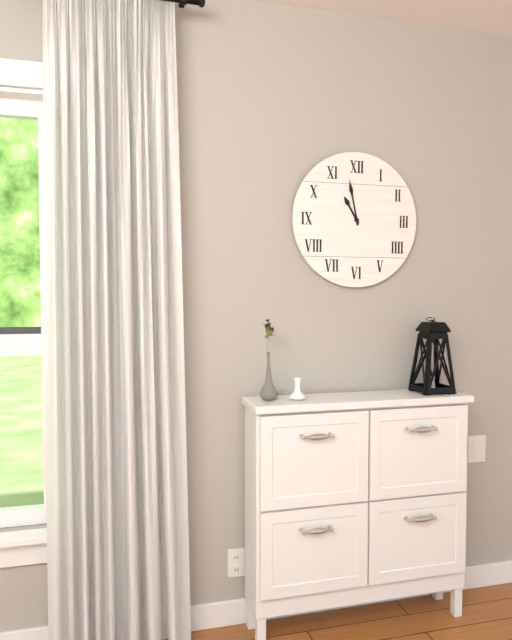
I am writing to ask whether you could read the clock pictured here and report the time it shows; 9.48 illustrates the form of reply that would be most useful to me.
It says 10.58
